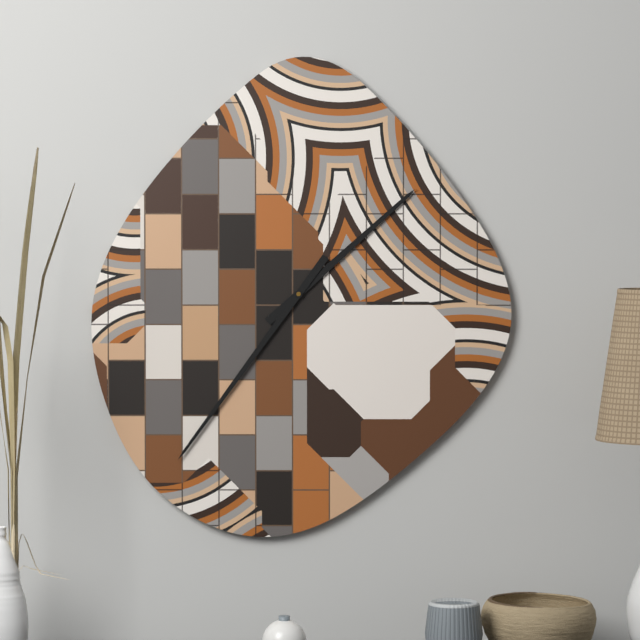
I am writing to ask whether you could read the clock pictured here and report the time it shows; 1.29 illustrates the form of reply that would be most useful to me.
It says 1.36
